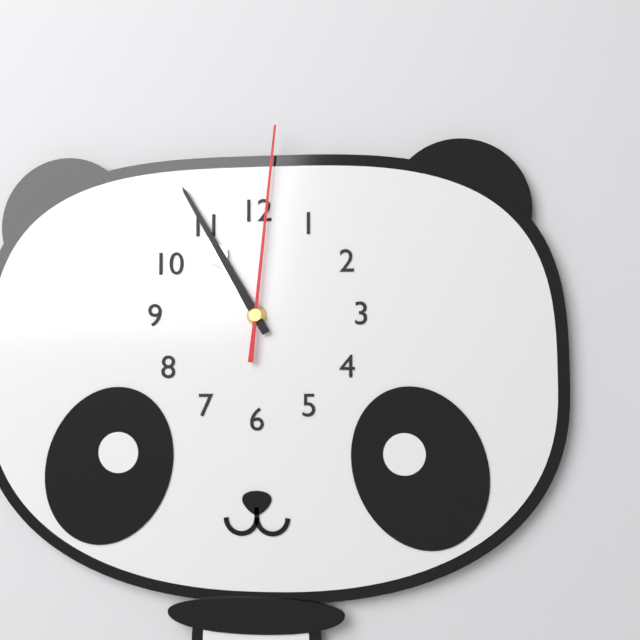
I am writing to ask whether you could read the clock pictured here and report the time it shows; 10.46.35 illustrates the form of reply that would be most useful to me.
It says 10.55.01
